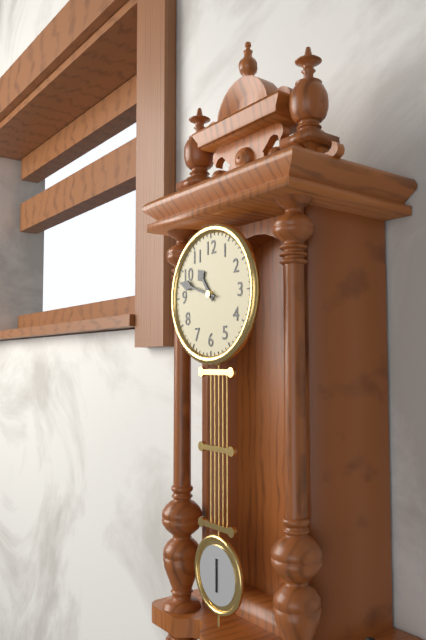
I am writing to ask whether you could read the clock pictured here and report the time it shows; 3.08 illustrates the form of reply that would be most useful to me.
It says 10.48
